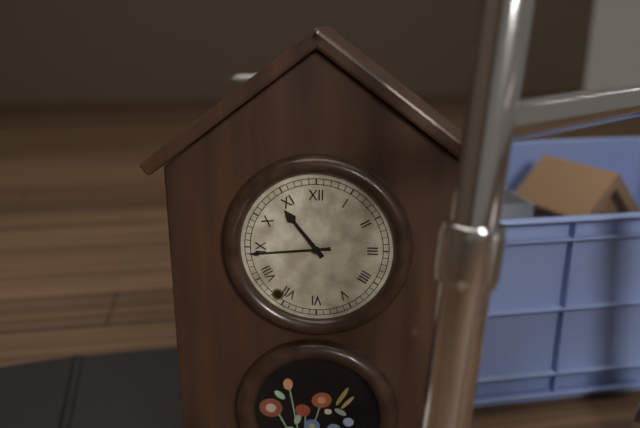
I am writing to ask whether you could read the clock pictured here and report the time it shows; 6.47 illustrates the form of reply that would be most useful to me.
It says 10.44
